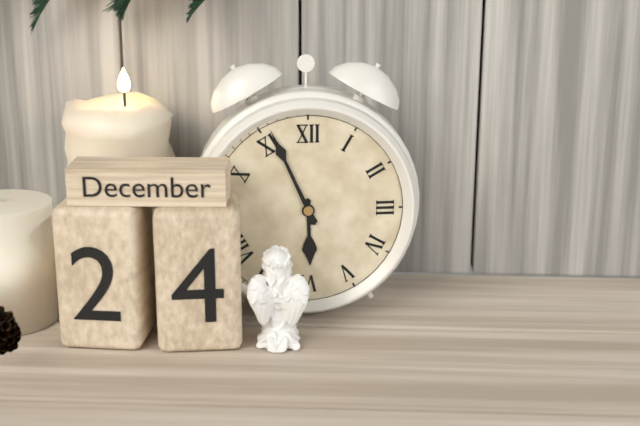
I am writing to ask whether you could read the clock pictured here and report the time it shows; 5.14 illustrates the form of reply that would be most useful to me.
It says 5.56
